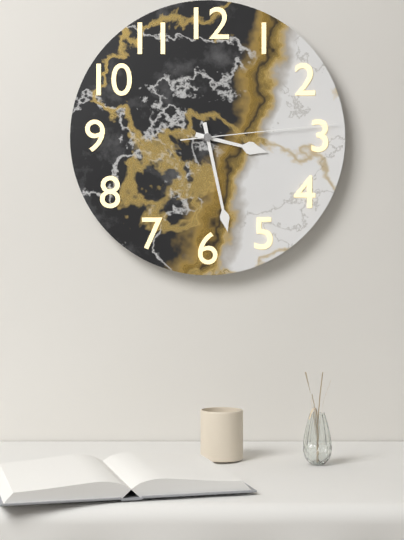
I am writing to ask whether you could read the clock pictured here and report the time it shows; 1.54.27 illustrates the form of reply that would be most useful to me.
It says 3.28.14
